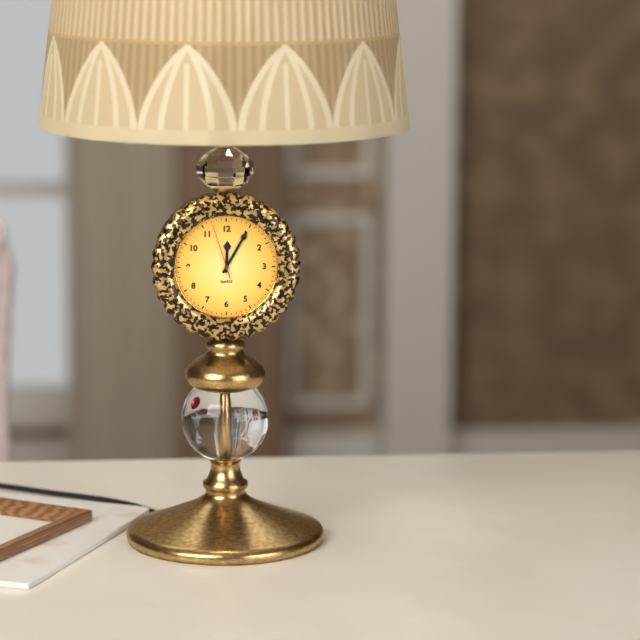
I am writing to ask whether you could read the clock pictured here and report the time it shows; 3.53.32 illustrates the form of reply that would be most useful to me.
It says 12.05.57
